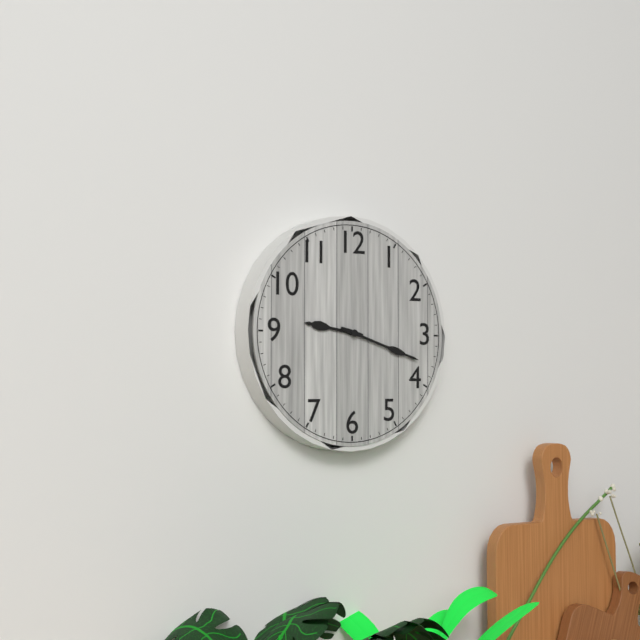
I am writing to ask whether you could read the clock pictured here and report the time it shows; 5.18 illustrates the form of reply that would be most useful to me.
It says 9.18
